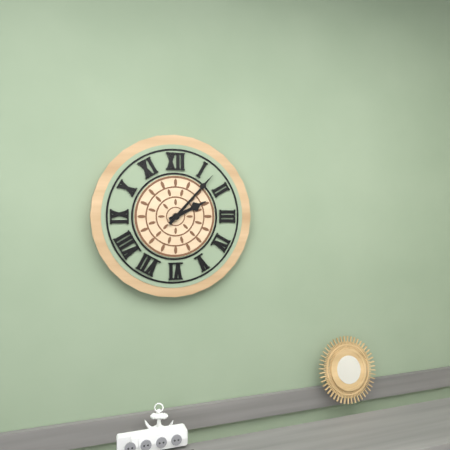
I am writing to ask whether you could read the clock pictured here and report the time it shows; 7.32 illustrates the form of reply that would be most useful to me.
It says 2.07
